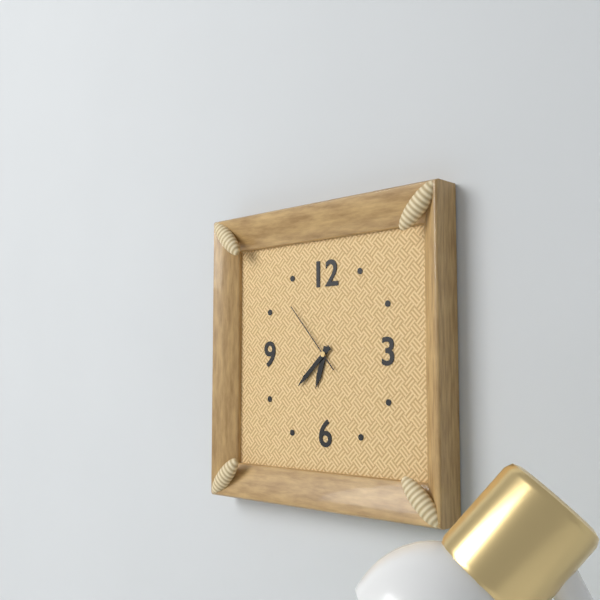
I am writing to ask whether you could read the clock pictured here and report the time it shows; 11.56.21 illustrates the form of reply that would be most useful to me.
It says 6.38.53
